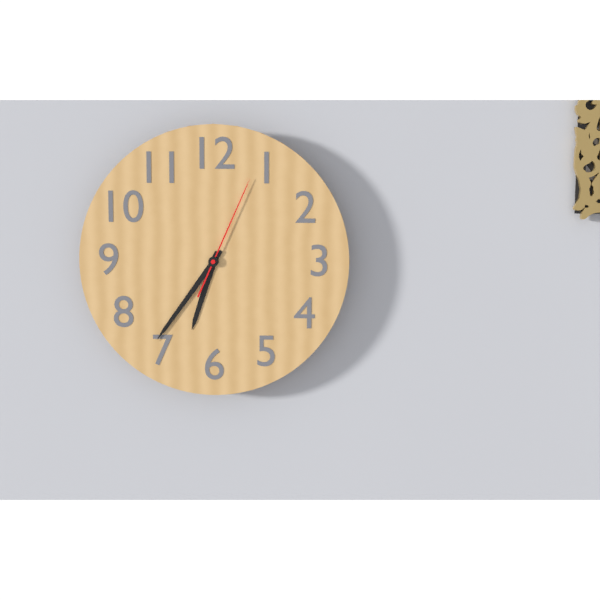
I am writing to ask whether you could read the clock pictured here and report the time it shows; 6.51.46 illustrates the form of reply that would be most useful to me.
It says 6.36.04
